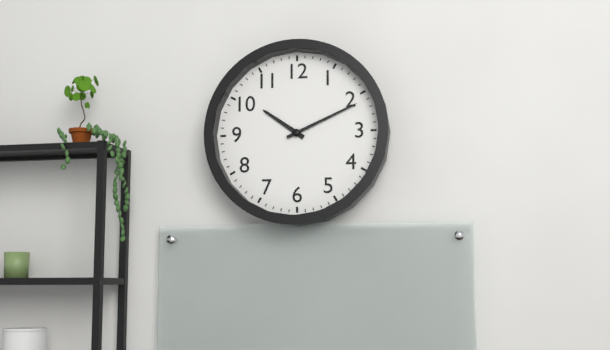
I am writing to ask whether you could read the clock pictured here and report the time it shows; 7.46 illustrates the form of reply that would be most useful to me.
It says 10.11
